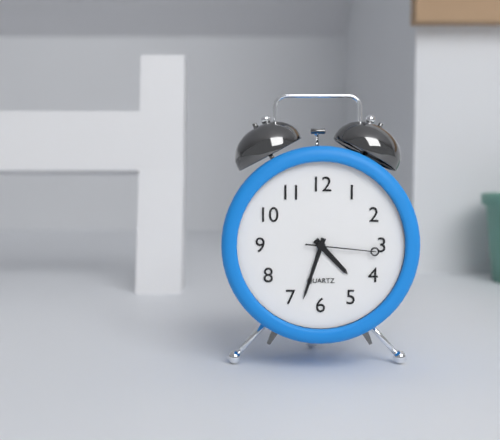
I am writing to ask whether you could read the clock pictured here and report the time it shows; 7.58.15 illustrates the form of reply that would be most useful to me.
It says 4.33.16
